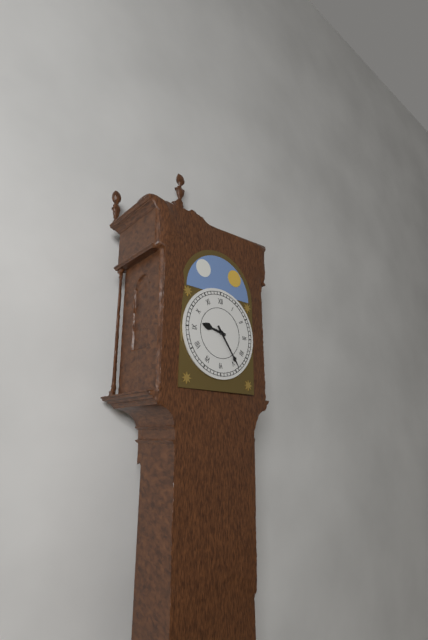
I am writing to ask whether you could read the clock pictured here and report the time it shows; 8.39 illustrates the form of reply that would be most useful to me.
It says 9.24
